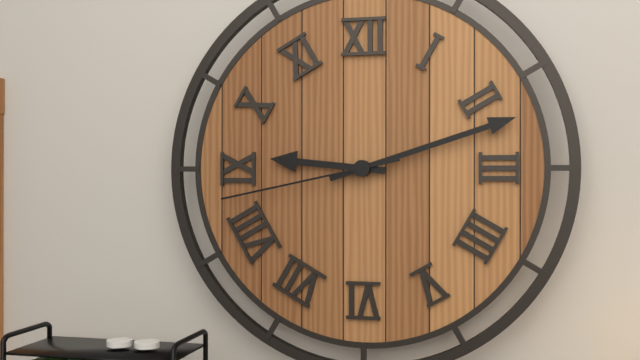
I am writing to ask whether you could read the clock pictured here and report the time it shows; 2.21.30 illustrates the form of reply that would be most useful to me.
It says 9.12.43
